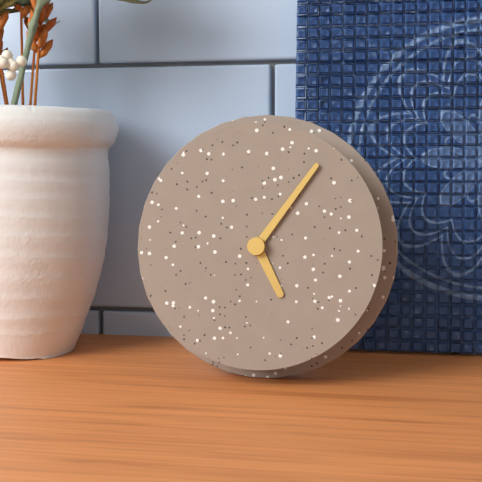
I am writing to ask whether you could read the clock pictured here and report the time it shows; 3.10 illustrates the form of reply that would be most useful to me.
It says 5.06
